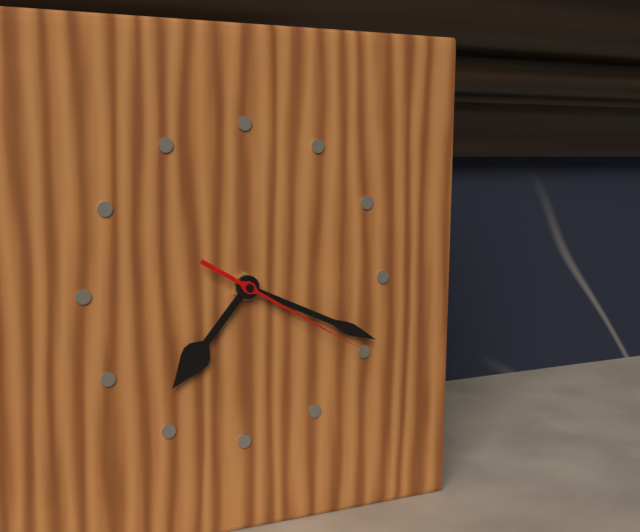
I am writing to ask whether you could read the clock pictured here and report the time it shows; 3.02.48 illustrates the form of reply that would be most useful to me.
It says 7.19.20
